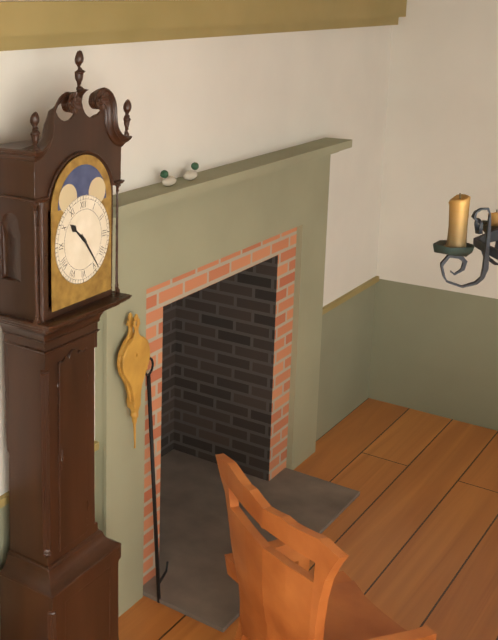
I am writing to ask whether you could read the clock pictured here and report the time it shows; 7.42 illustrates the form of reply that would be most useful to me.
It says 10.24
